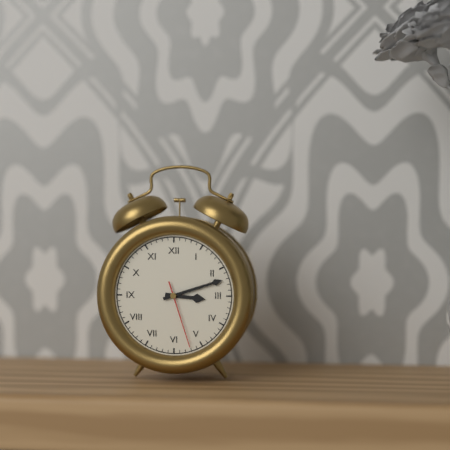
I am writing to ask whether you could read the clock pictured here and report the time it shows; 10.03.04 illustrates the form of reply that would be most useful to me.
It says 3.12.27
